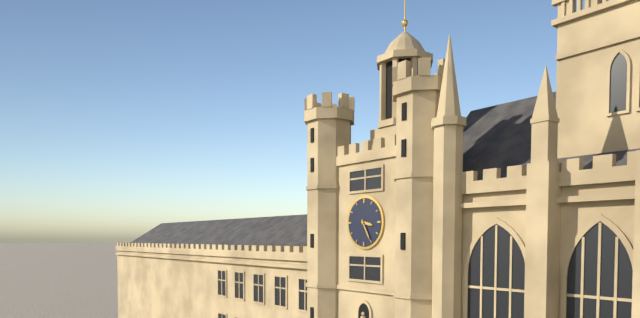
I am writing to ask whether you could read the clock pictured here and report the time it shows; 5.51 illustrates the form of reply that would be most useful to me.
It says 3.25
